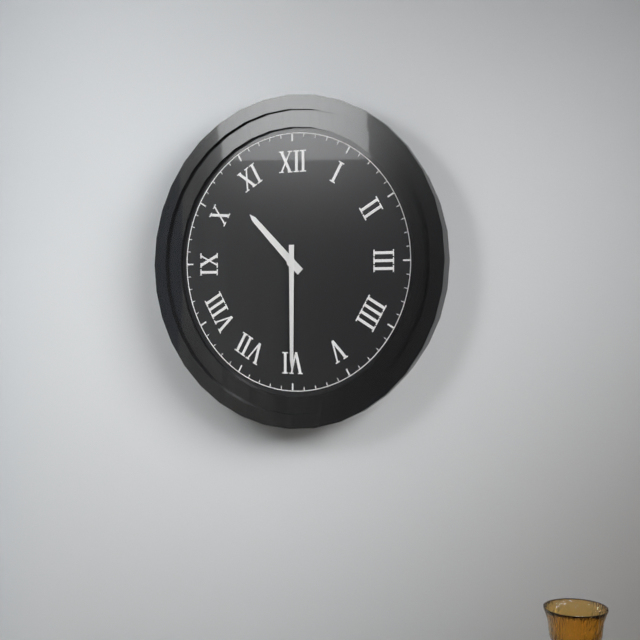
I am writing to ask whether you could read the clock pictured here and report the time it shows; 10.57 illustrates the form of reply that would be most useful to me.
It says 10.30
